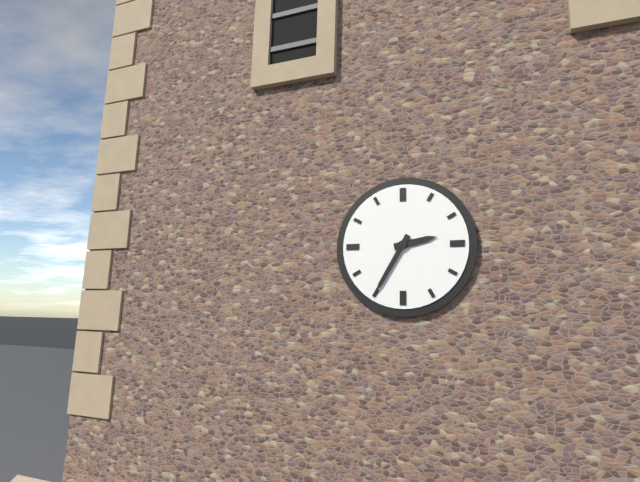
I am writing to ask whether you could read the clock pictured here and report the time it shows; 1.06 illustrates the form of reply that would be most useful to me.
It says 2.35
